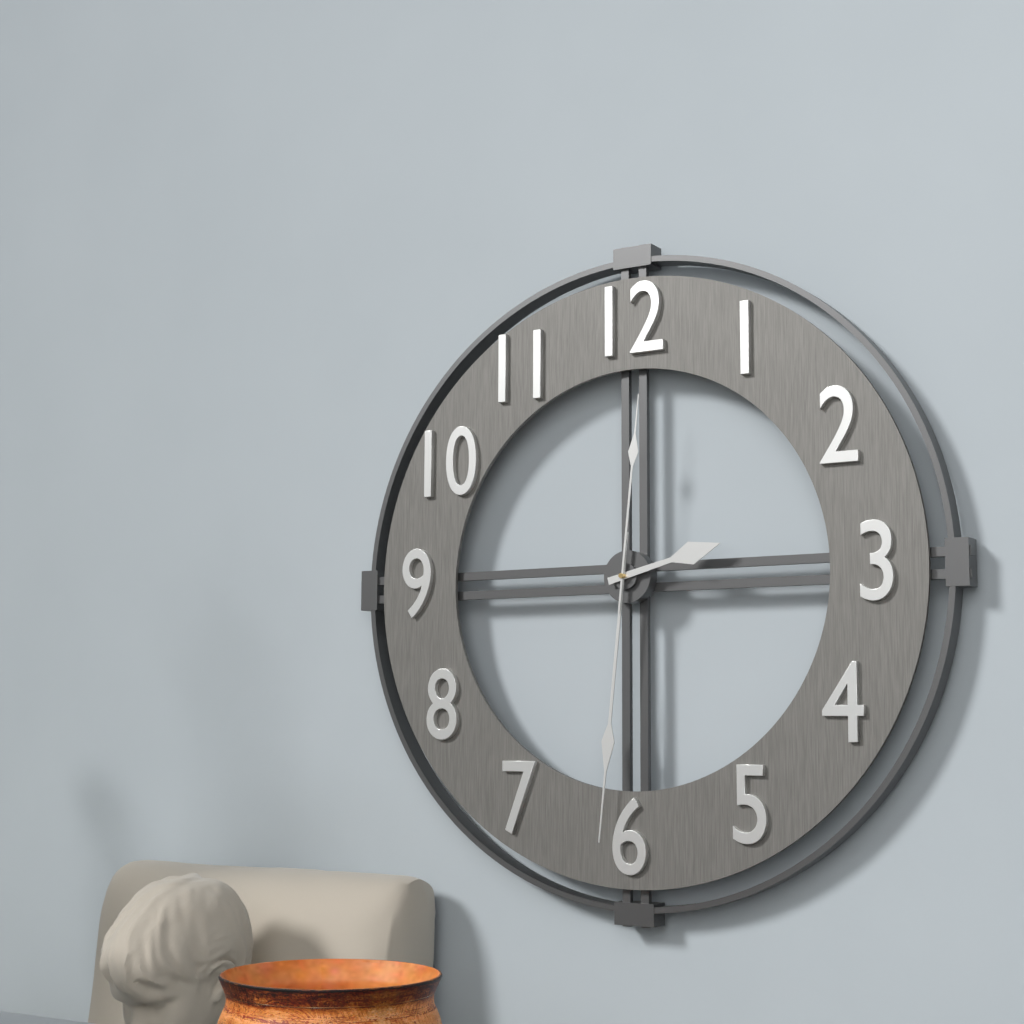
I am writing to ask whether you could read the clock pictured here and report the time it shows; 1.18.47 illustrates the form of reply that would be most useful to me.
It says 2.31.01
